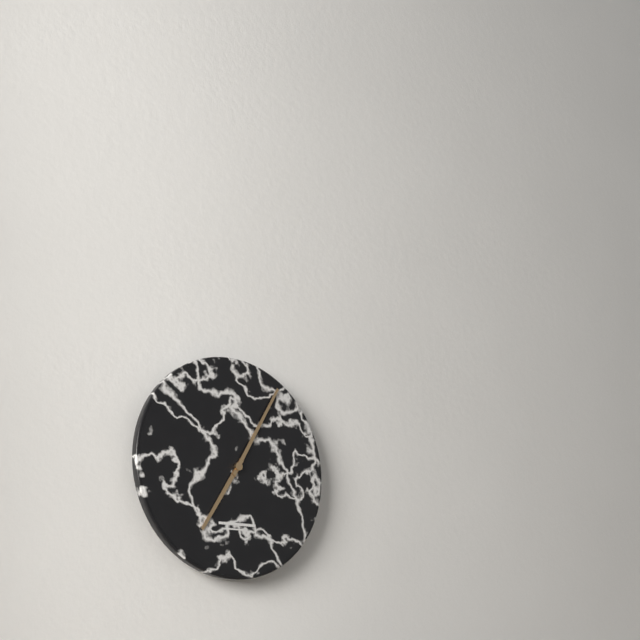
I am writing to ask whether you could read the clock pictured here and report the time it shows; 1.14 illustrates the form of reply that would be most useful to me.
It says 7.05
